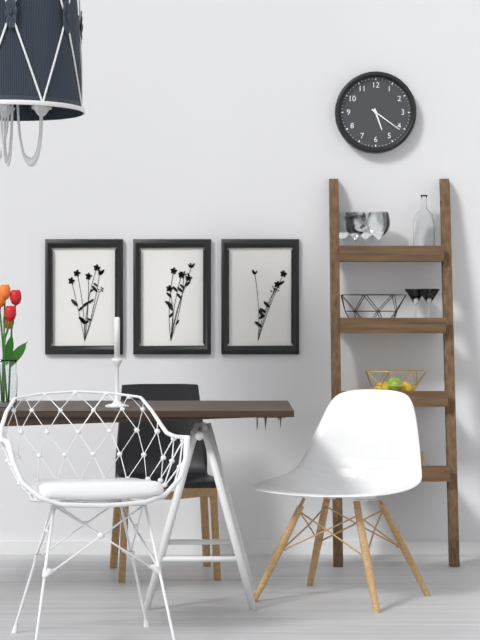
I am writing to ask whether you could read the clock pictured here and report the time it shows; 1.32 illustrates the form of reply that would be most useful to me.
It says 5.21
